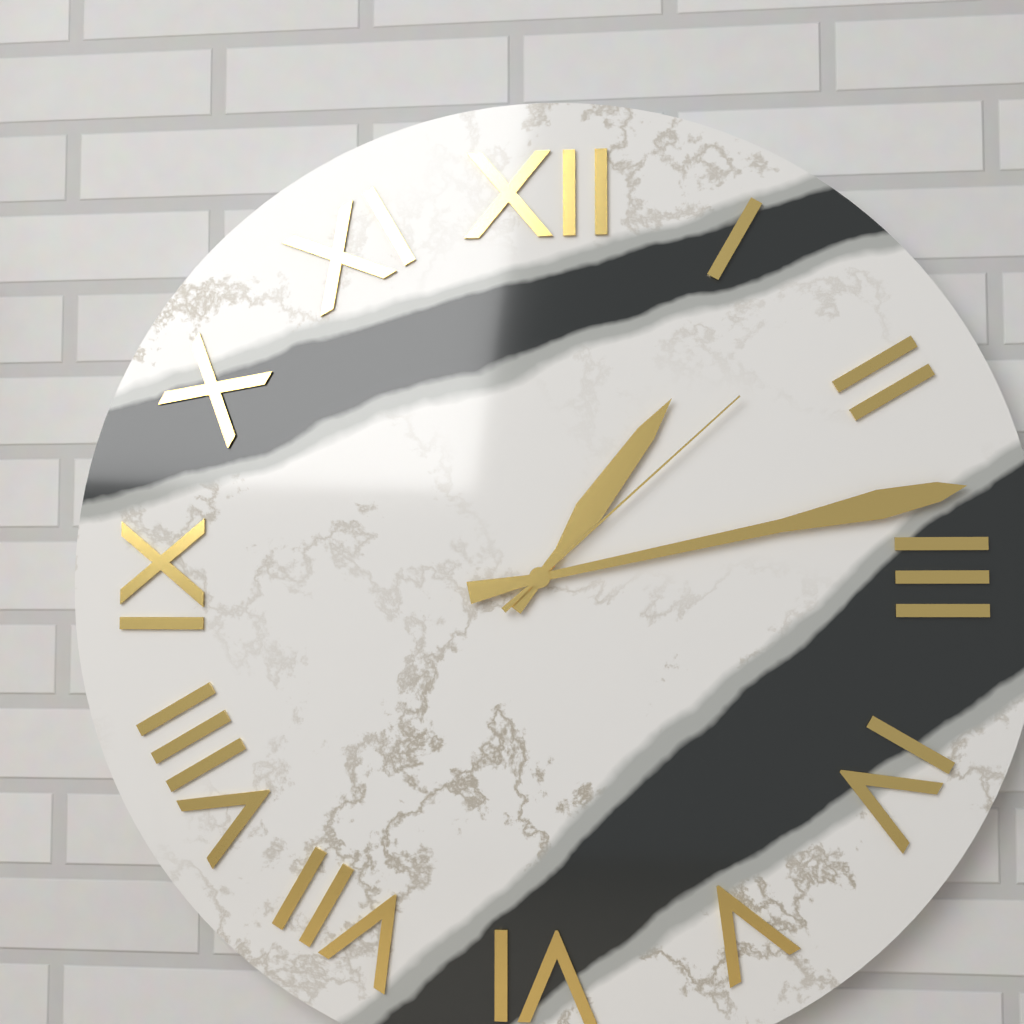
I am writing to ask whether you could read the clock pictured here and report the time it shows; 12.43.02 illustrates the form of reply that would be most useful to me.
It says 1.13.08
